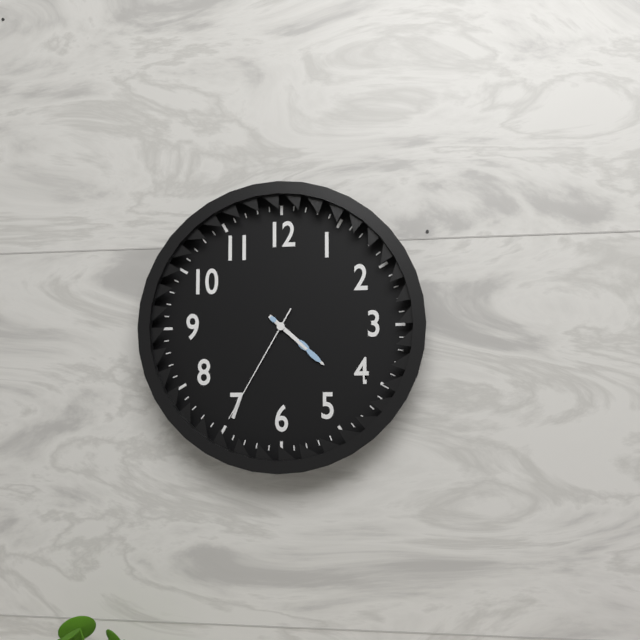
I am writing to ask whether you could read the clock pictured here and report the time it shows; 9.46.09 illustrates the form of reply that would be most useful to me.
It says 4.22.35
